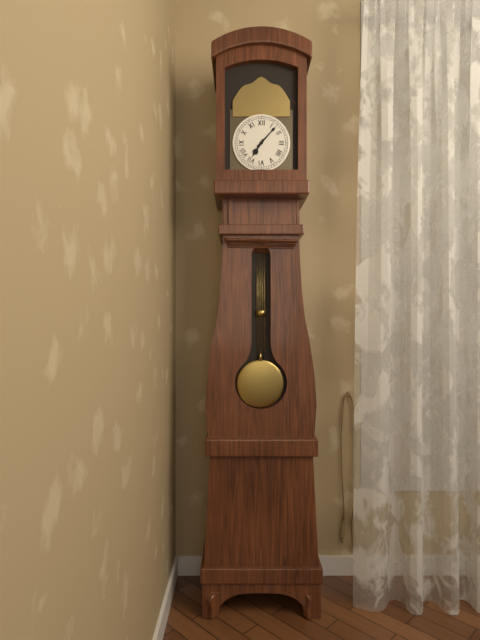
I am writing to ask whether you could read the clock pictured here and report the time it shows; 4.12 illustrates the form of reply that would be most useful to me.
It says 7.07
